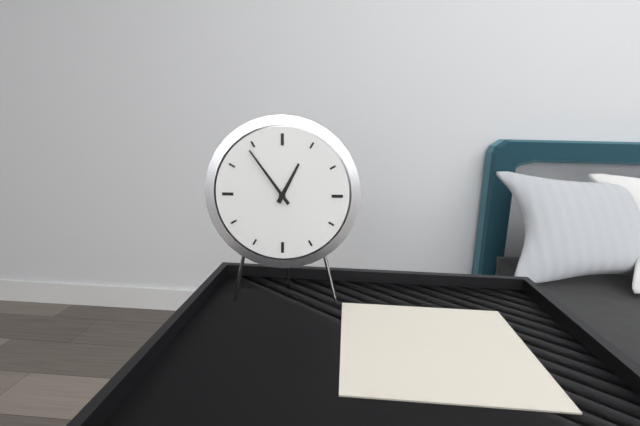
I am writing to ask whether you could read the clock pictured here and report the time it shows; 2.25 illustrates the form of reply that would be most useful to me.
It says 12.54
